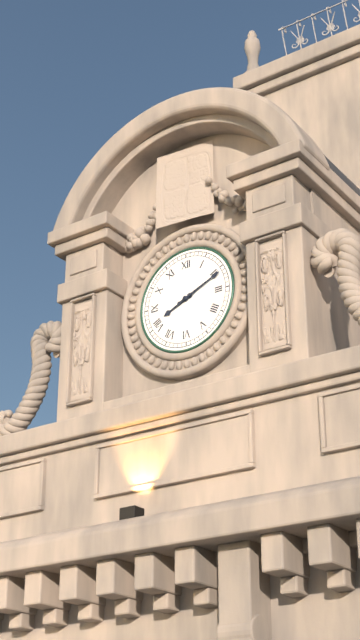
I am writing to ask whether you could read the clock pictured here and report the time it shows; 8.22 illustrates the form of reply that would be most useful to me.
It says 8.11
